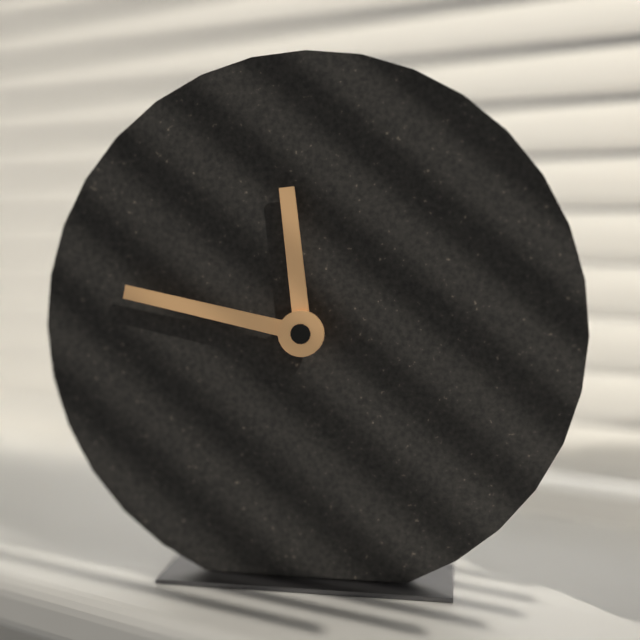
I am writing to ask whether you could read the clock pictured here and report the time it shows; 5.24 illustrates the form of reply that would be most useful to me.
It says 11.47
